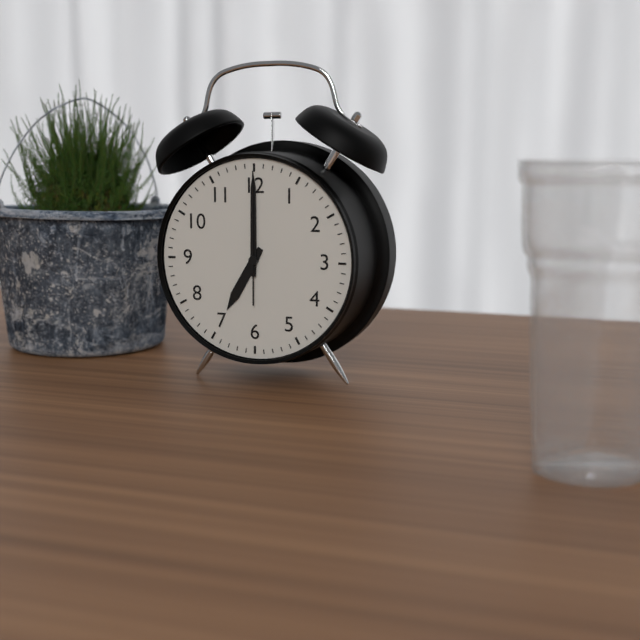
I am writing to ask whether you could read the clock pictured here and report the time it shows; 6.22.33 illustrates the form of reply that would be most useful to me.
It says 7.00.00
